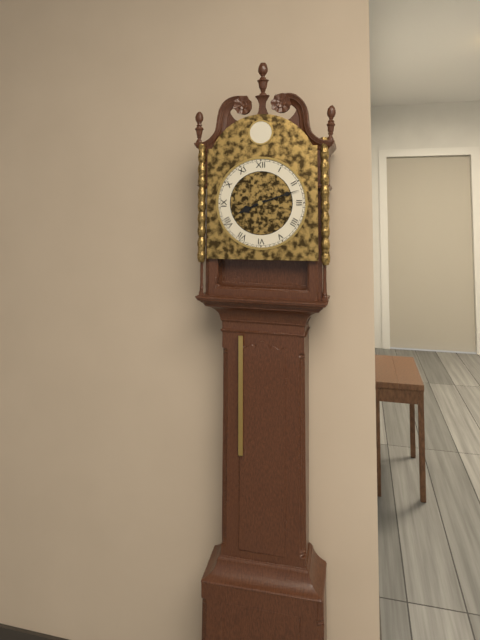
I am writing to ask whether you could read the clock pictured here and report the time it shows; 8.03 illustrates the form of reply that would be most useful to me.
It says 8.12
